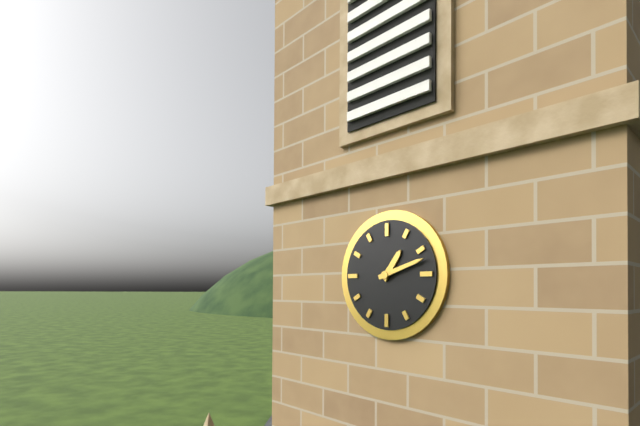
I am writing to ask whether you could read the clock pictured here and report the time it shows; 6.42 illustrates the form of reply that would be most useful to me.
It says 1.12
